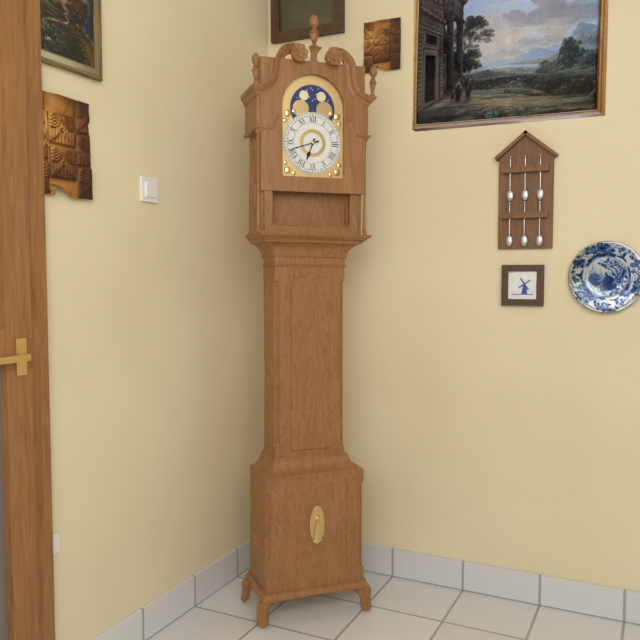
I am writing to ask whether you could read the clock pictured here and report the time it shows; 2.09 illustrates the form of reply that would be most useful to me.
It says 6.42
